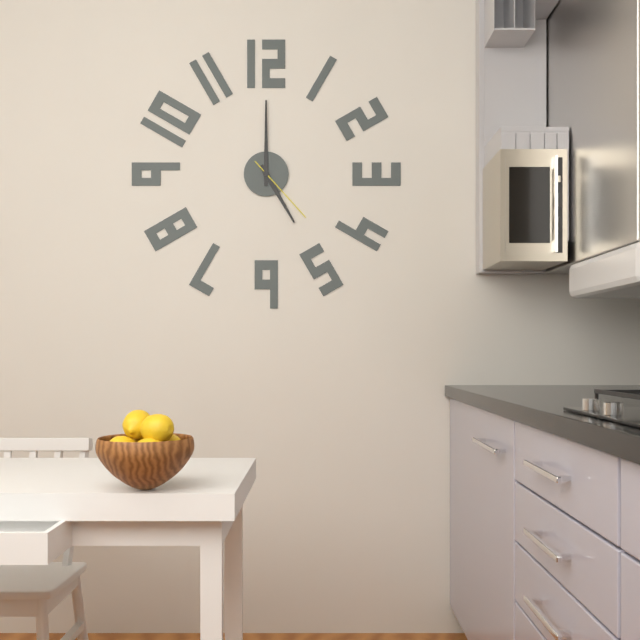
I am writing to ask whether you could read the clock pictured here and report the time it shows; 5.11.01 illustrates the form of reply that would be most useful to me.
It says 5.00.23
